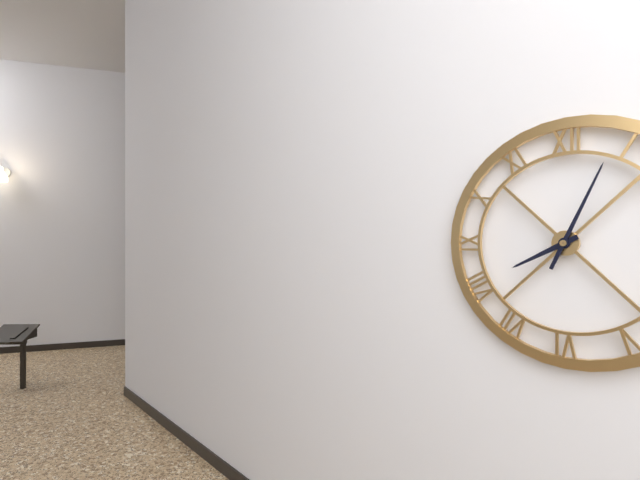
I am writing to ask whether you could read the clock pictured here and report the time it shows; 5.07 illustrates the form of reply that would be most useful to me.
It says 8.04
